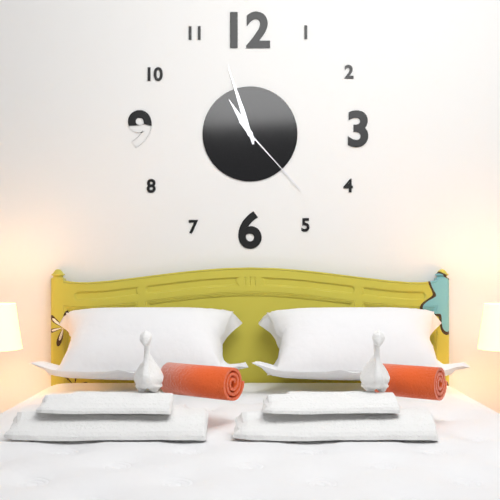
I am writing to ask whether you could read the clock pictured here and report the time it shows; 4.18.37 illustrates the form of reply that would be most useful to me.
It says 10.57.23
